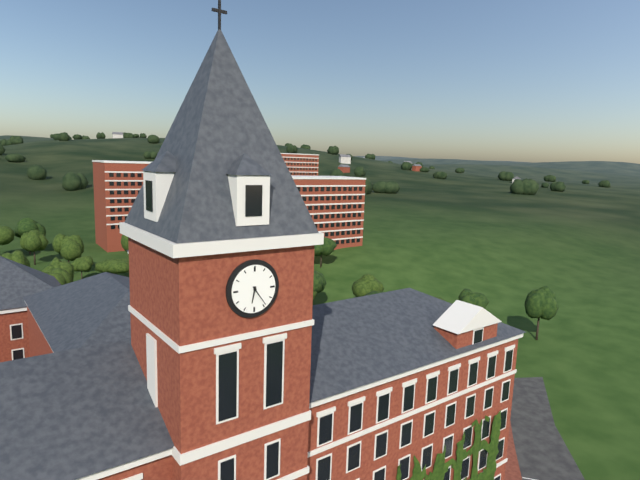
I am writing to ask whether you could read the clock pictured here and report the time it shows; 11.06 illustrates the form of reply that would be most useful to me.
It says 6.24
